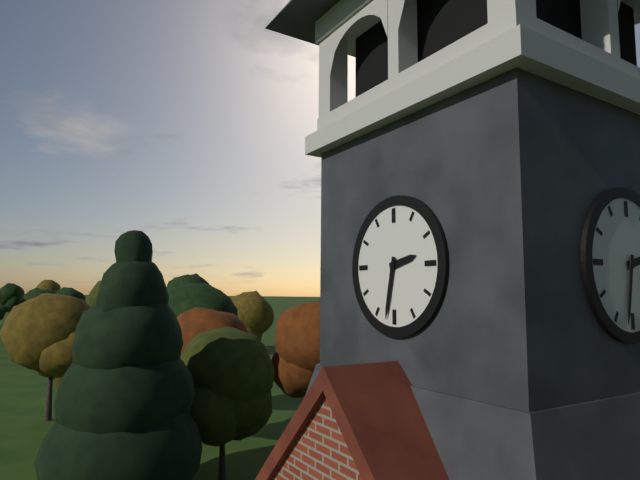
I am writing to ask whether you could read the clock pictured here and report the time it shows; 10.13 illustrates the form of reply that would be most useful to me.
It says 2.32
